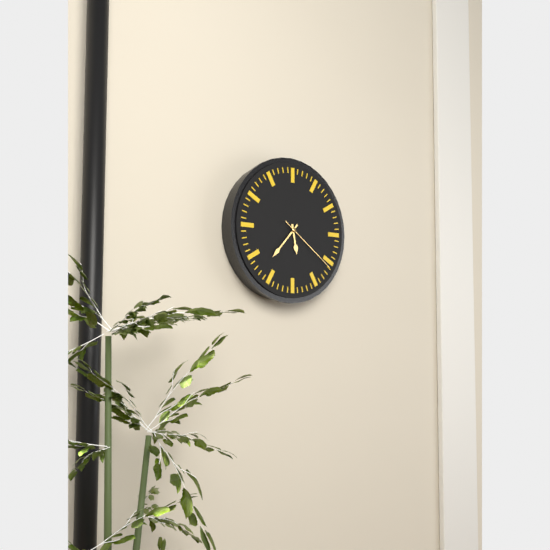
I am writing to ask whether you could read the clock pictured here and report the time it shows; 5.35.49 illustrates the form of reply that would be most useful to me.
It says 5.37.21
